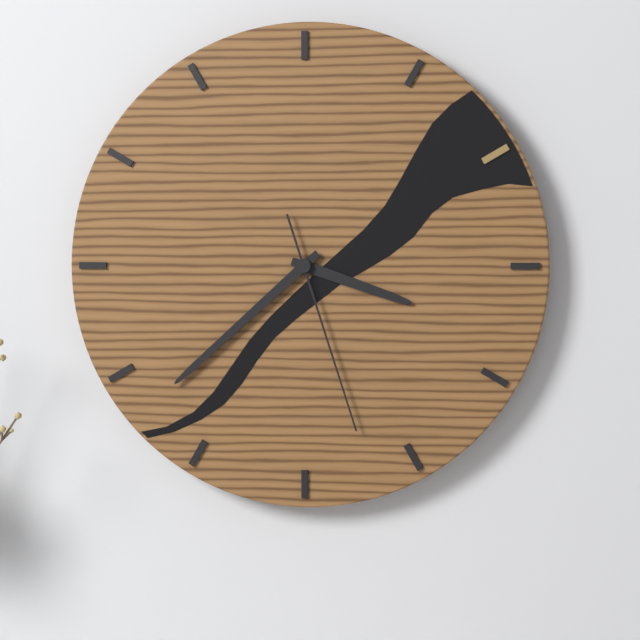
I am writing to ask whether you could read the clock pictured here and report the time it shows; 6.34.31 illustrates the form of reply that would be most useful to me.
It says 3.38.27
